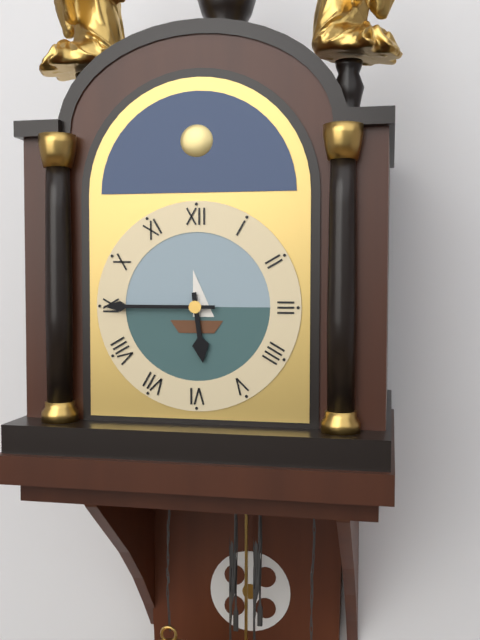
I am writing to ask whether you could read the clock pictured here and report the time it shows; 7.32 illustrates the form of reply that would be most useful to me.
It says 5.45
